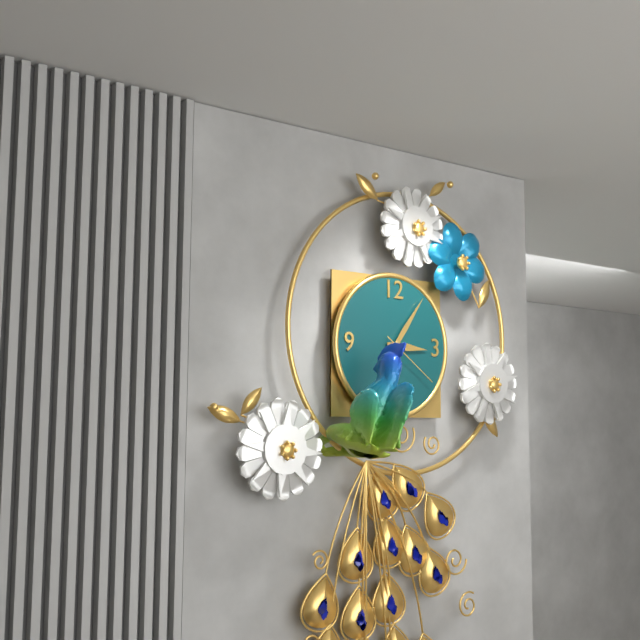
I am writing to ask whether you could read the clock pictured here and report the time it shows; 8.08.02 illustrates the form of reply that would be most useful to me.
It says 3.06.21
